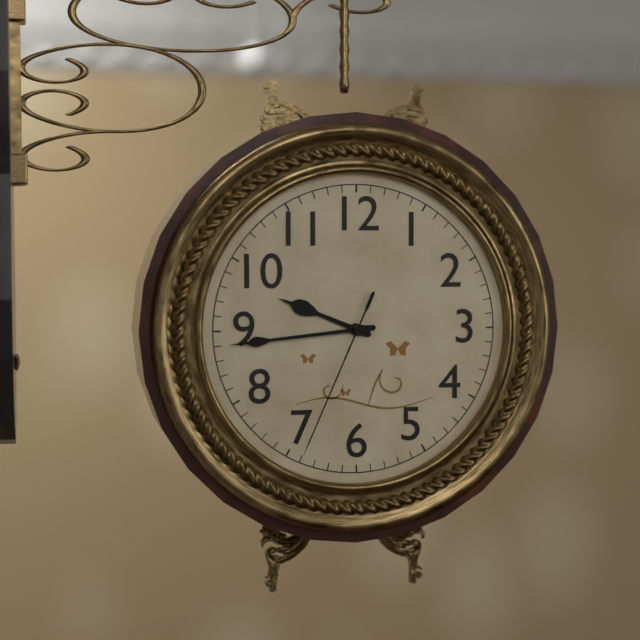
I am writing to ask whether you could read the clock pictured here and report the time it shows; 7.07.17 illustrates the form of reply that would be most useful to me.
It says 9.44.34
